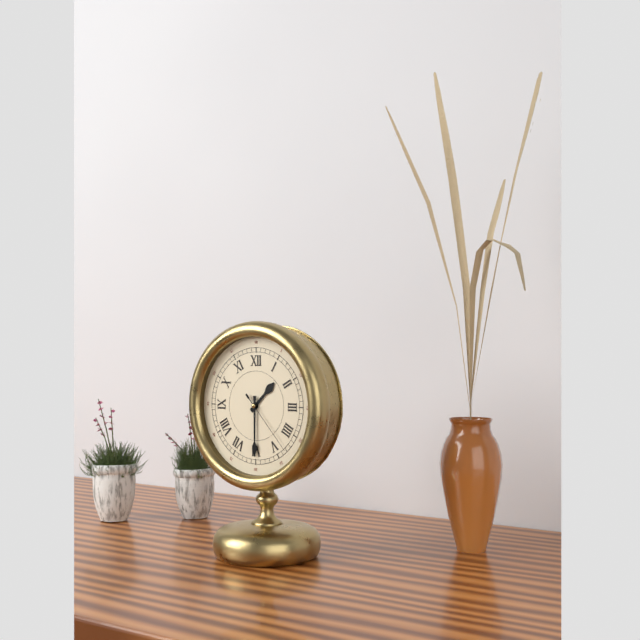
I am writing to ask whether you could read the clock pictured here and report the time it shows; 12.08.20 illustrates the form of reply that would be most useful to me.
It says 1.30.23
